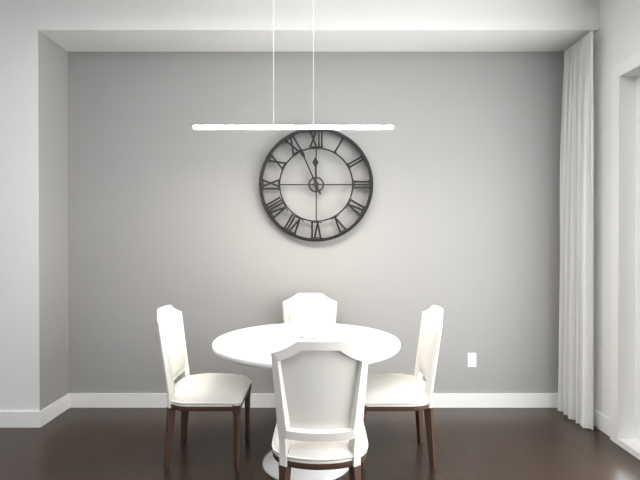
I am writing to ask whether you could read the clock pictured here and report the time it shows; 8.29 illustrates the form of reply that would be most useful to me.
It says 11.56
